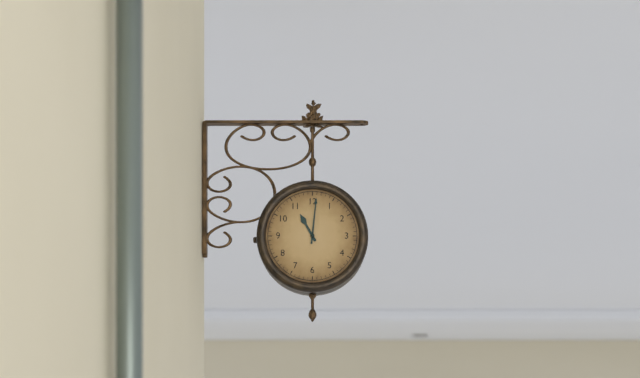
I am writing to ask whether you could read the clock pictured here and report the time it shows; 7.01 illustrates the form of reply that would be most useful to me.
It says 11.01
